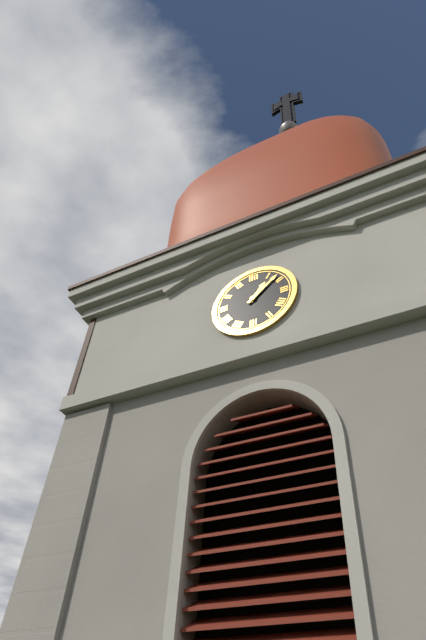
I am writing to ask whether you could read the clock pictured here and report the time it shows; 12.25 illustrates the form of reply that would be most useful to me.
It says 1.08
